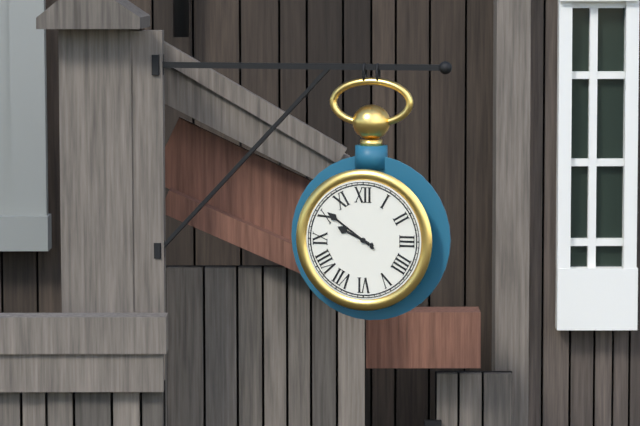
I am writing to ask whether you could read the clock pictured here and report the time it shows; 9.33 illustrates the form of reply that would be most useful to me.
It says 9.51
